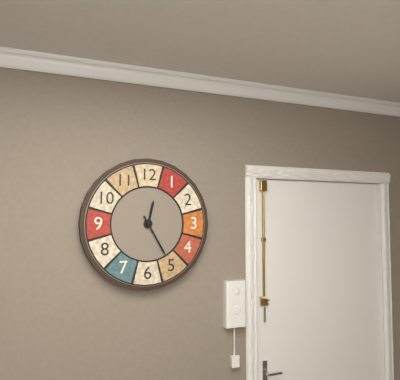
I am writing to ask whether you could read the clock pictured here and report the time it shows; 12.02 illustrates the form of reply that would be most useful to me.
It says 12.25
